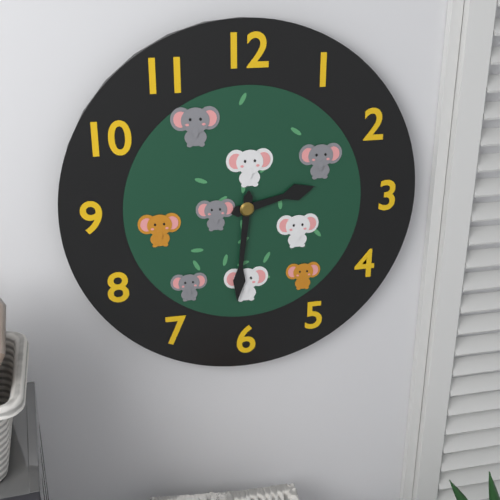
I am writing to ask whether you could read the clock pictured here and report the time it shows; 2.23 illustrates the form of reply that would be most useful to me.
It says 2.31
